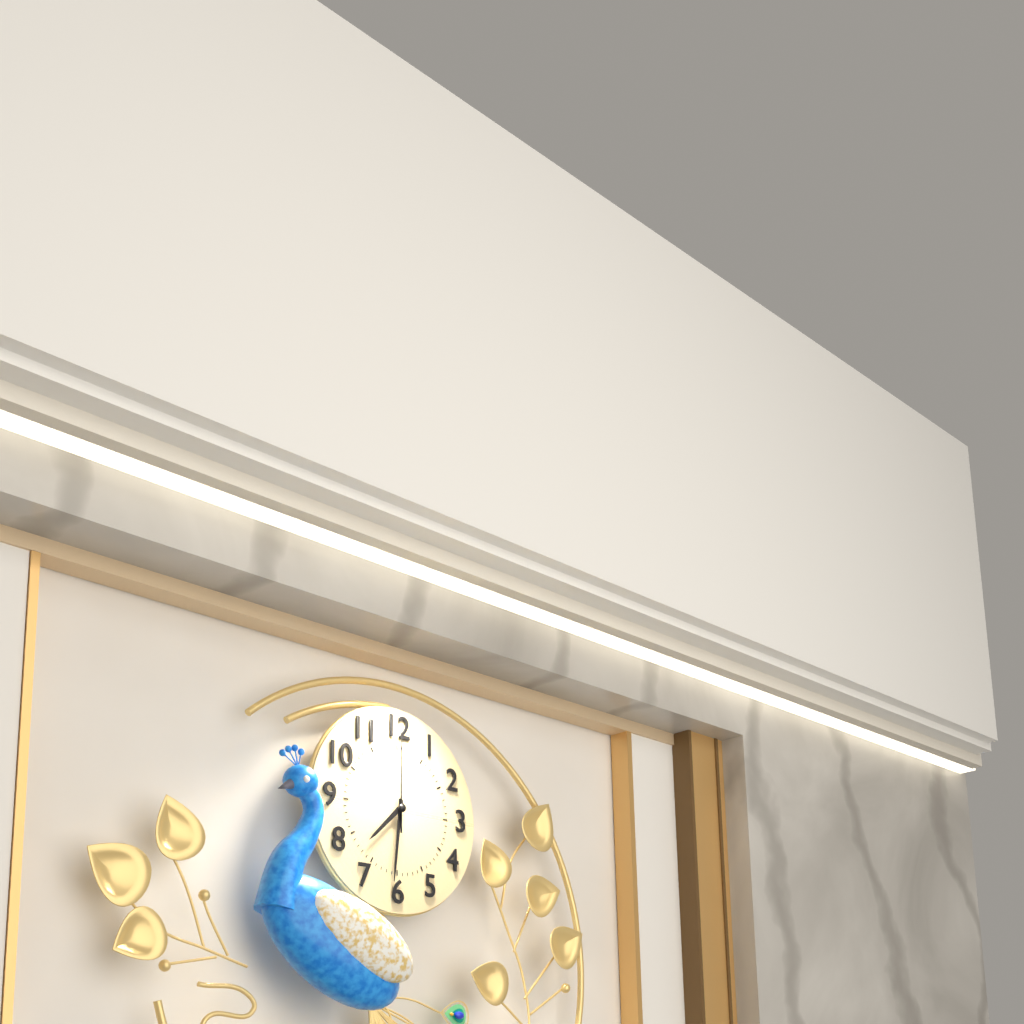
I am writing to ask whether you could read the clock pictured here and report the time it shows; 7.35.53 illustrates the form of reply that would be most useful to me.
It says 7.31.00
